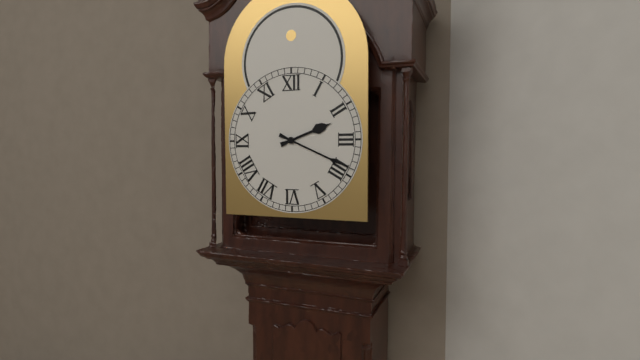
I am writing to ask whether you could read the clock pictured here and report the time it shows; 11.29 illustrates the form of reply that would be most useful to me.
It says 2.19
